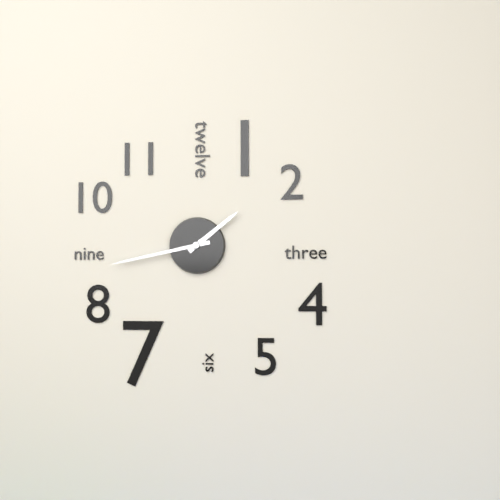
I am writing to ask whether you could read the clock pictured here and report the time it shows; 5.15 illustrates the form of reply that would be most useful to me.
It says 1.43
